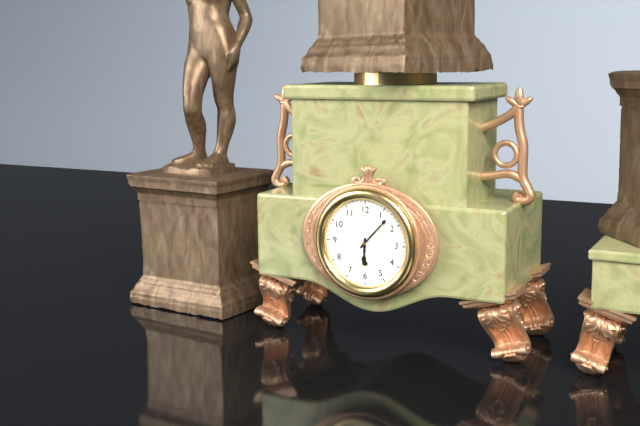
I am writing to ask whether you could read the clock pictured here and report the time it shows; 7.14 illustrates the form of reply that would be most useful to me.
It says 6.07
